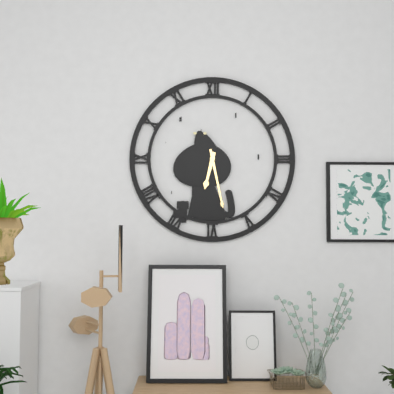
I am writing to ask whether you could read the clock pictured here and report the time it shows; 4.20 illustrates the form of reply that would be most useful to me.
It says 6.28
